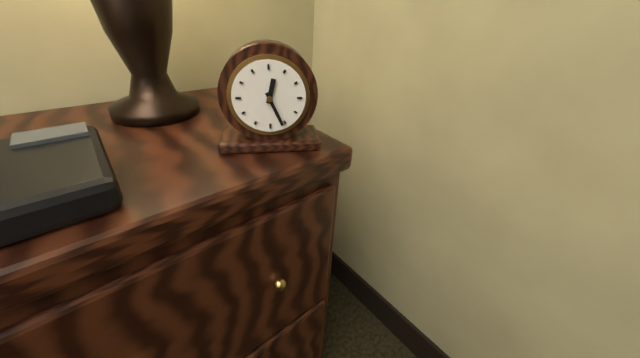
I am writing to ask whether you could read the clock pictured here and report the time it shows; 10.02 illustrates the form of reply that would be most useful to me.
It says 12.26
